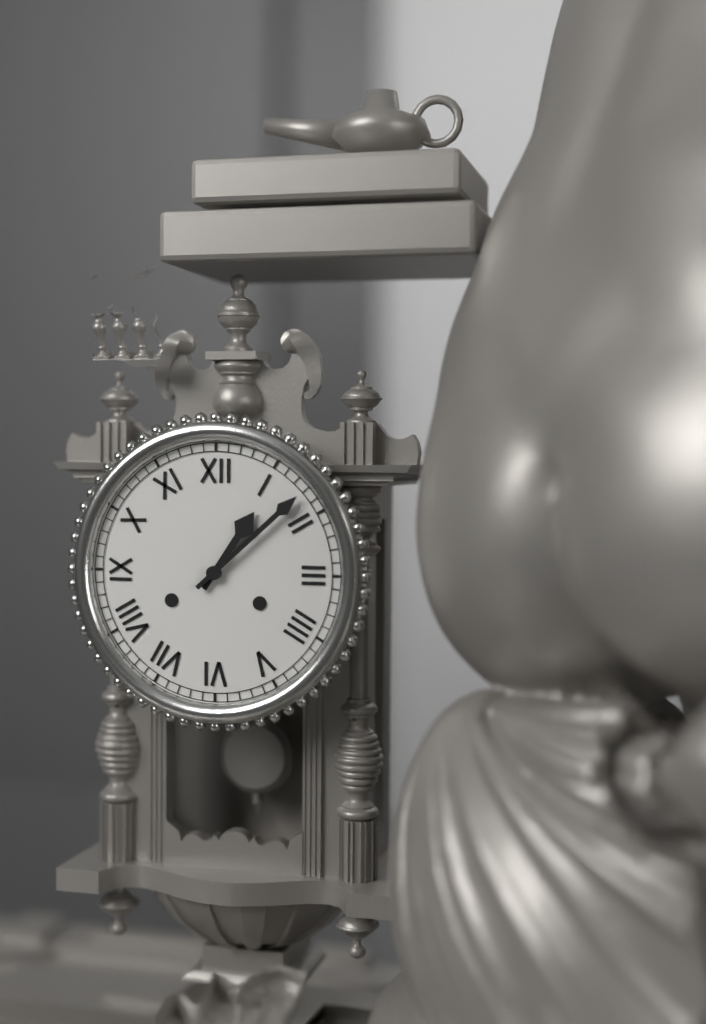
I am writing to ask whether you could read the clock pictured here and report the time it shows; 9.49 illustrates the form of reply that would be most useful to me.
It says 1.08
